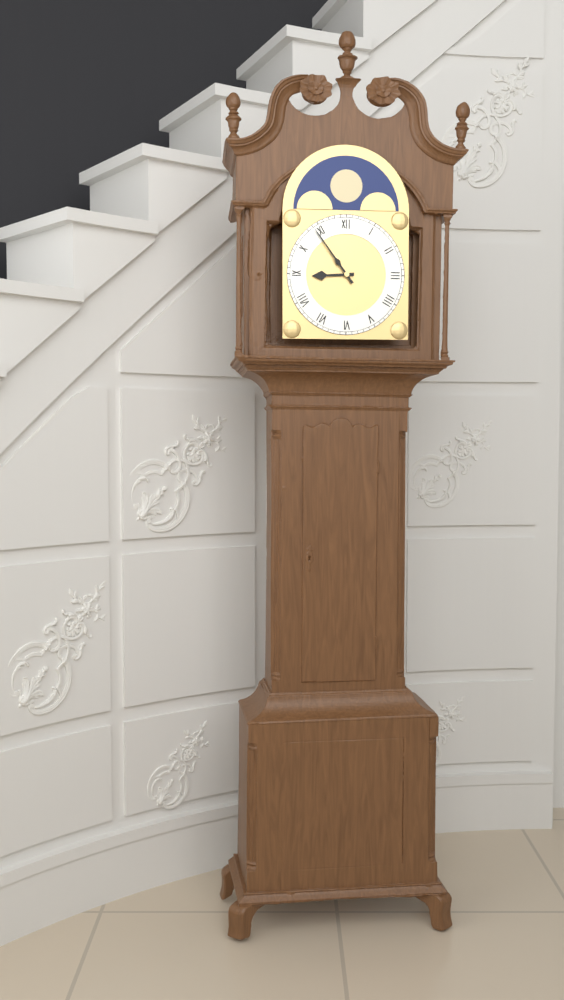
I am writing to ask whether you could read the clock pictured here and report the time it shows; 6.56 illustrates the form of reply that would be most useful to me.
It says 8.54
